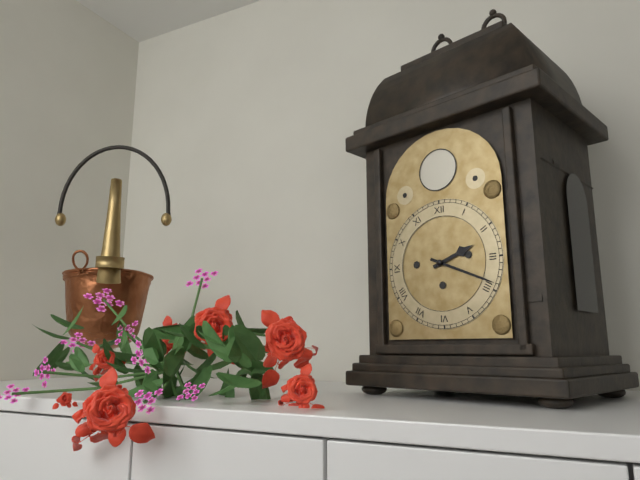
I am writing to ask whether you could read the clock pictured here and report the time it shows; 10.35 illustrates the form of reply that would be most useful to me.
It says 2.19
